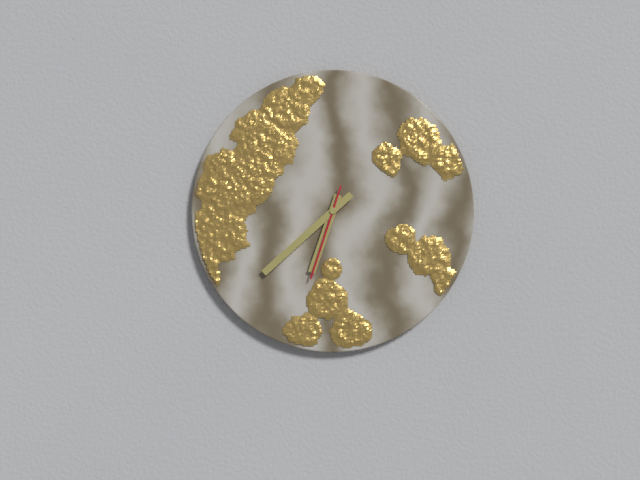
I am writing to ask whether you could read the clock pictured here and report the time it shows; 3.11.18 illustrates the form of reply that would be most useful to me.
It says 6.38.33
